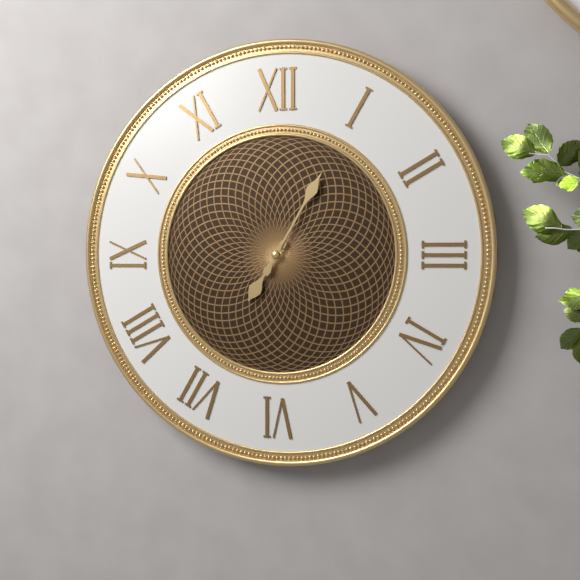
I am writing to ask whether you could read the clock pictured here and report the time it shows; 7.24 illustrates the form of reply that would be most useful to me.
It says 7.05
